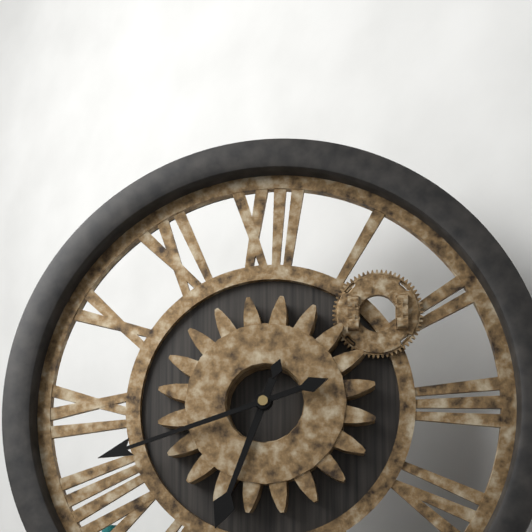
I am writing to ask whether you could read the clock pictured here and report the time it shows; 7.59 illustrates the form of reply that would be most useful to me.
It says 6.42
